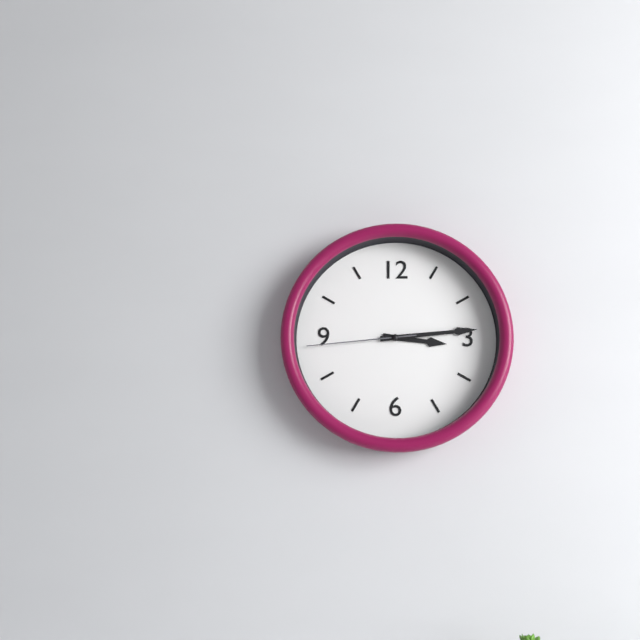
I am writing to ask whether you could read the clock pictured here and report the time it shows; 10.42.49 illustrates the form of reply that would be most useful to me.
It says 3.14.44
